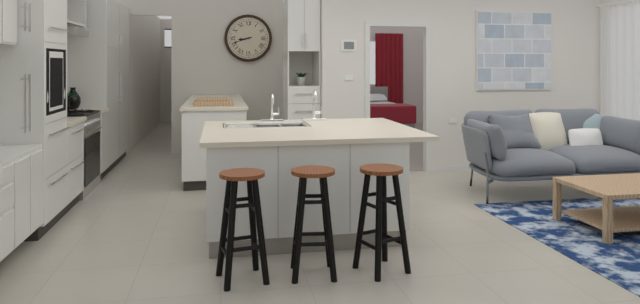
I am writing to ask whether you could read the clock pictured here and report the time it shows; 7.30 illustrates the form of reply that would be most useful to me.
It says 8.42
